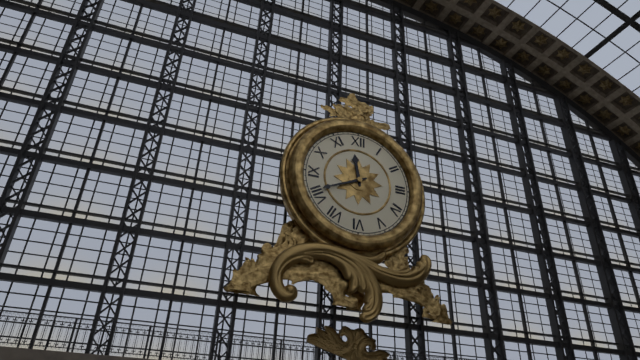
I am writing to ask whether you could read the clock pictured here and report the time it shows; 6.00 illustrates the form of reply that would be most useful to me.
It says 11.41
